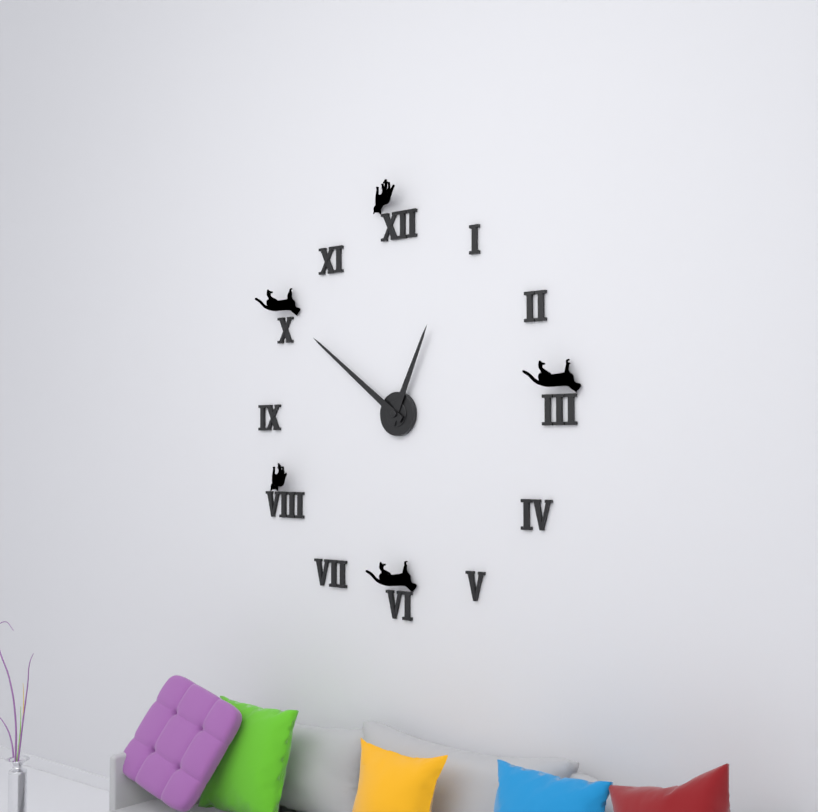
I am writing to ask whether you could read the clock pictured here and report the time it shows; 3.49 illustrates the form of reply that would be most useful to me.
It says 12.51
